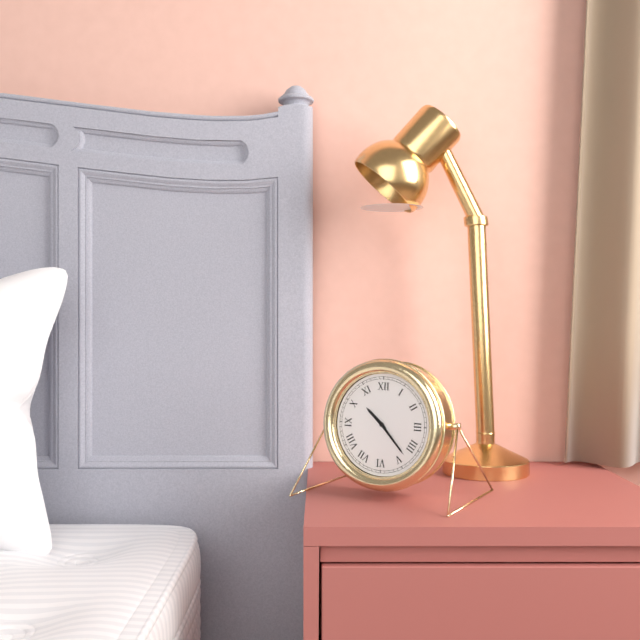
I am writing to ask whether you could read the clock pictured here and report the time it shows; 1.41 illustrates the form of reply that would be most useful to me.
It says 10.23
